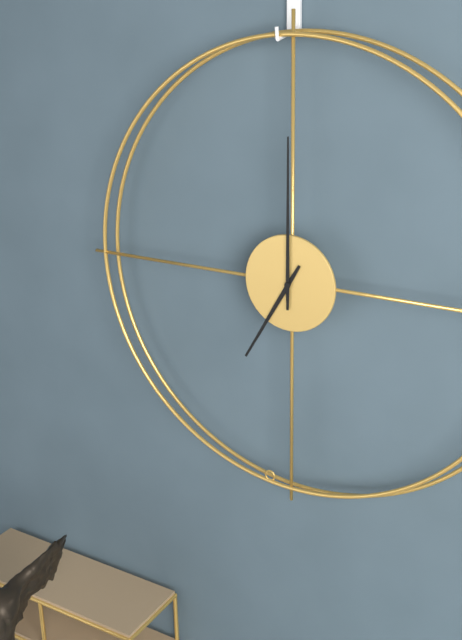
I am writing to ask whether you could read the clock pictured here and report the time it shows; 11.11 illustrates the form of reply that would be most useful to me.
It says 7.00
